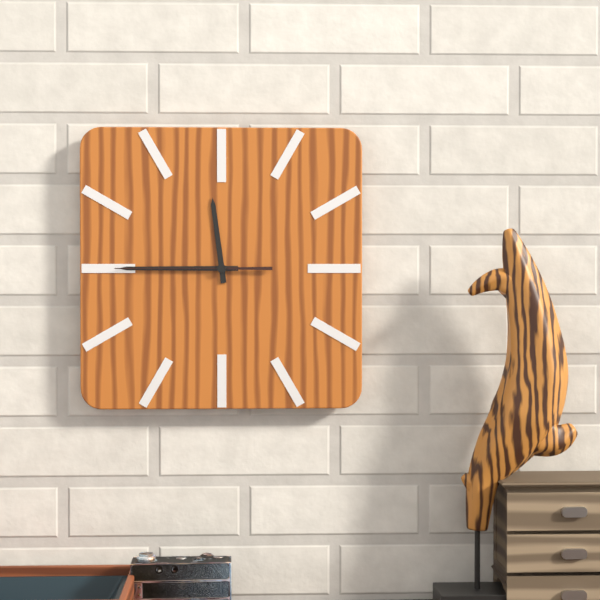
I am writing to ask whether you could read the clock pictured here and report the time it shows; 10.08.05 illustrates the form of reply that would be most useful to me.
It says 11.45.45
